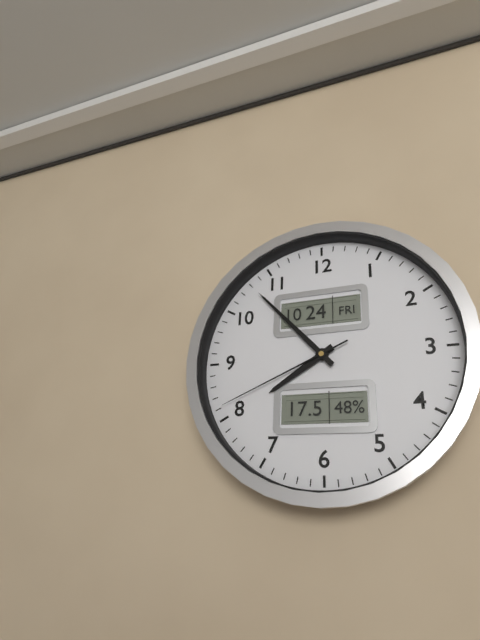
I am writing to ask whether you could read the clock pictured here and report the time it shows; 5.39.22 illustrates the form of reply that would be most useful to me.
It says 7.53.41
